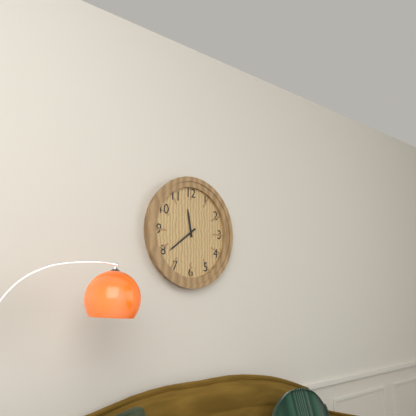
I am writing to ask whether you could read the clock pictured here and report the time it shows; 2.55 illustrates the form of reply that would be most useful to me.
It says 11.39
